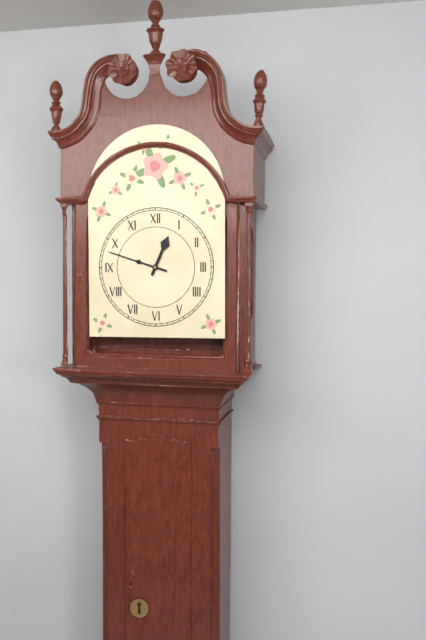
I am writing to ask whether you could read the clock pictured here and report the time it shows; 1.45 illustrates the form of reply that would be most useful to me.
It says 12.48
